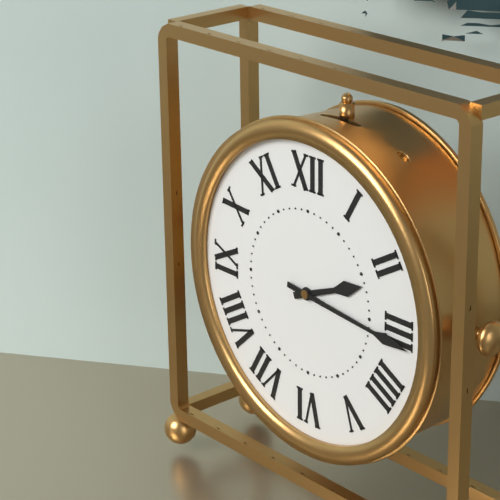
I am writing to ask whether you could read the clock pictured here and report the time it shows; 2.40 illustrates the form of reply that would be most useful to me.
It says 2.16
